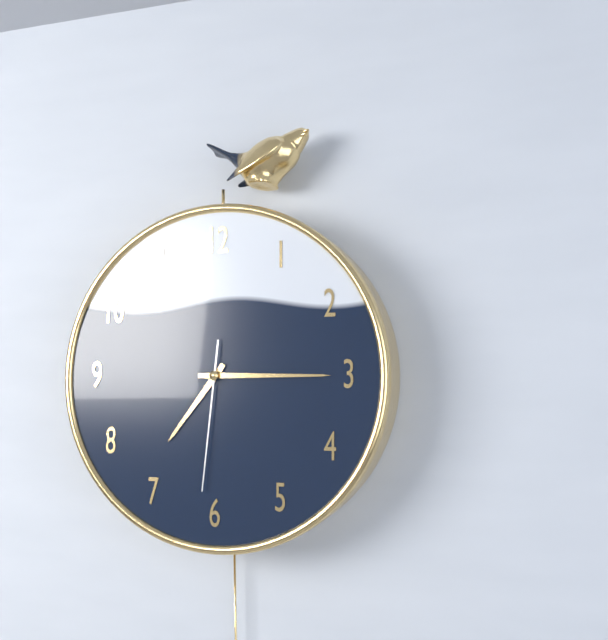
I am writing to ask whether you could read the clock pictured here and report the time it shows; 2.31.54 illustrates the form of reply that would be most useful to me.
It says 7.15.31
